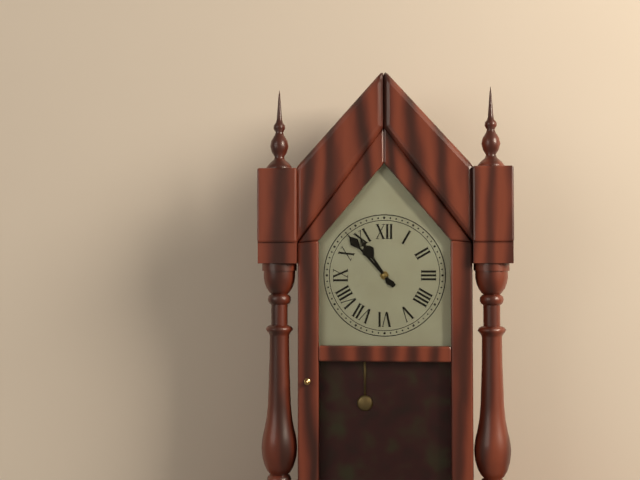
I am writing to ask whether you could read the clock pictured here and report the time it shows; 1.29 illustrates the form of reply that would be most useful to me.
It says 10.53
